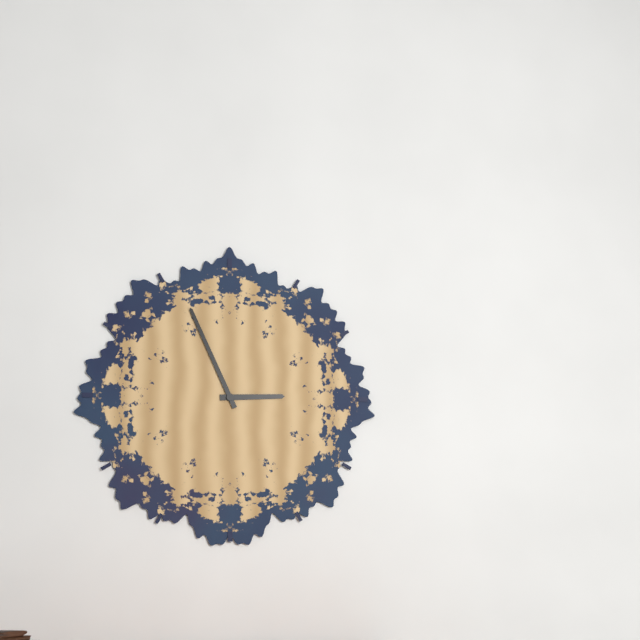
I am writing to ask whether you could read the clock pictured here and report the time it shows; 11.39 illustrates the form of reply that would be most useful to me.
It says 2.56
